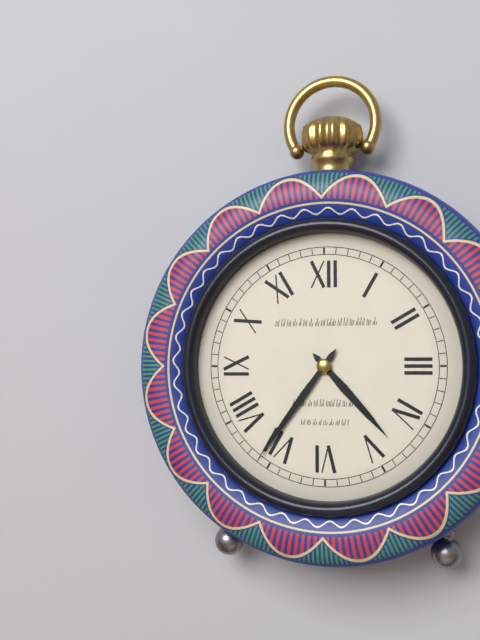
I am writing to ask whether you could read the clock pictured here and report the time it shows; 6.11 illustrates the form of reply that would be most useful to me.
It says 4.36
